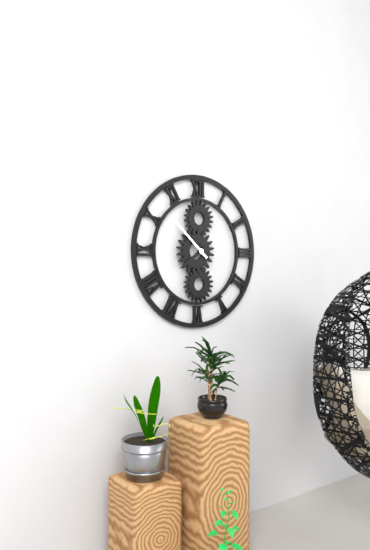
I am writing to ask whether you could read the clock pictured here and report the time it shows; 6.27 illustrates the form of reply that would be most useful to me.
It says 7.52
